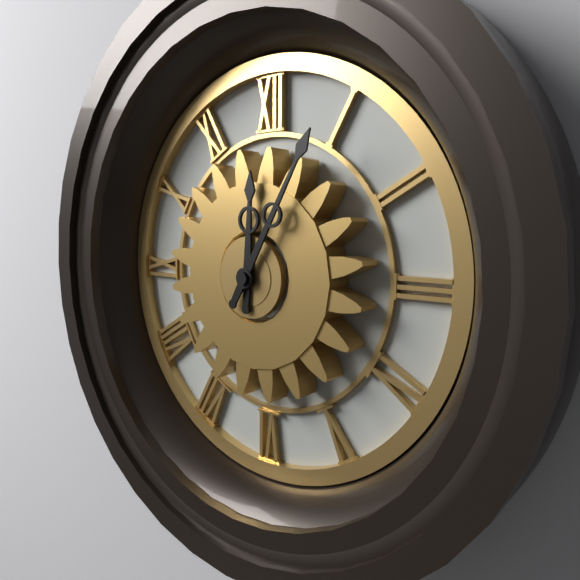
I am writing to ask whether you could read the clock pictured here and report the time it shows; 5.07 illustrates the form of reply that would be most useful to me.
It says 12.05
